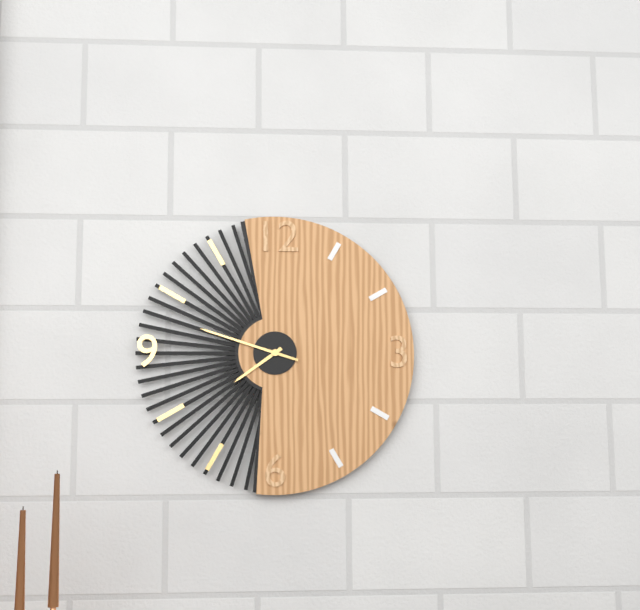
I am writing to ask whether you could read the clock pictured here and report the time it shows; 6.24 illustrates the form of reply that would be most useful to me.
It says 7.48
